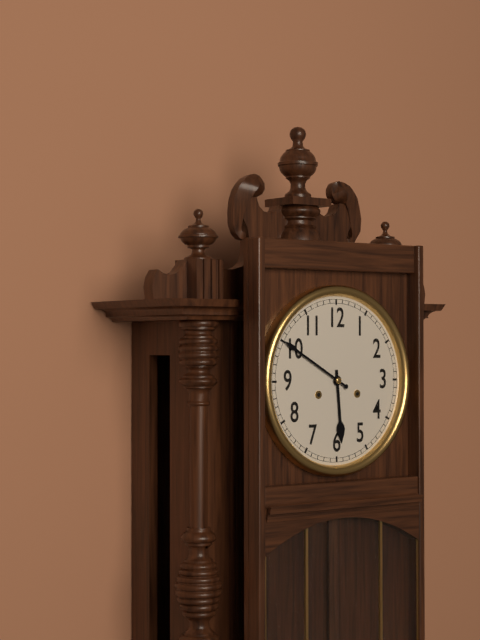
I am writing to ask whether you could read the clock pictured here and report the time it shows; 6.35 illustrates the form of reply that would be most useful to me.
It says 5.50
